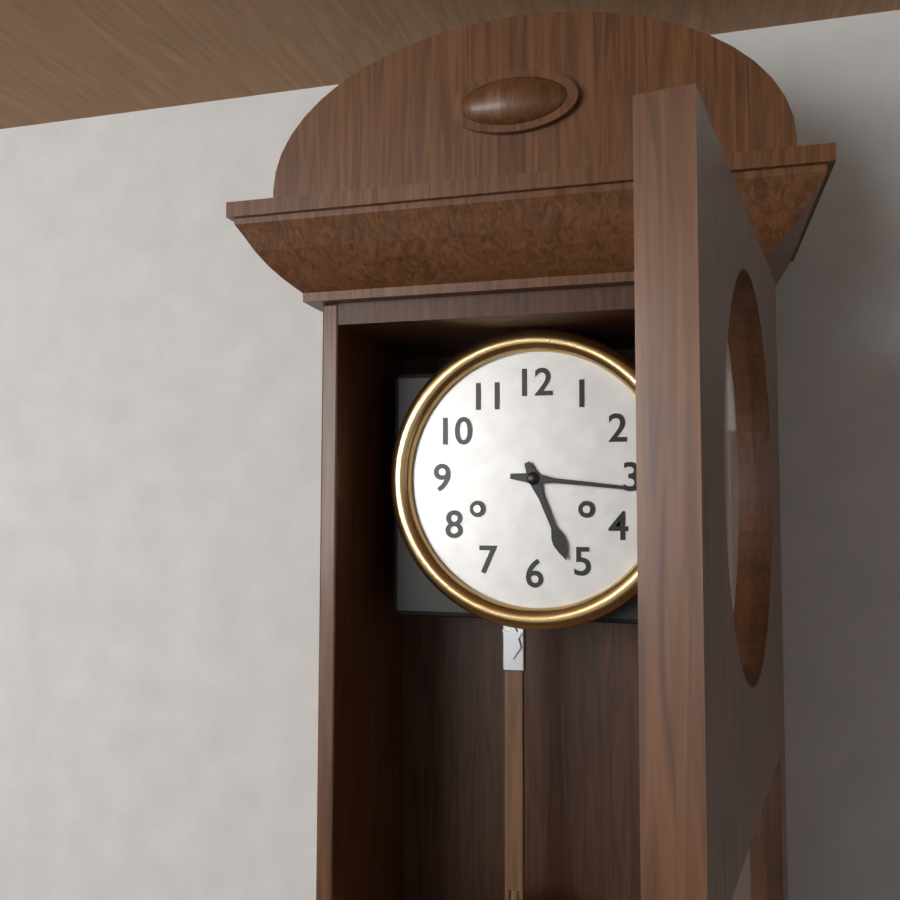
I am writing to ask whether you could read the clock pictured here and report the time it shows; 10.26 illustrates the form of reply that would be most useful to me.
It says 5.16
